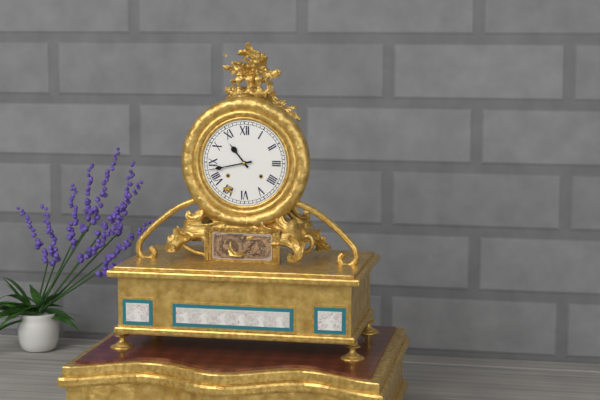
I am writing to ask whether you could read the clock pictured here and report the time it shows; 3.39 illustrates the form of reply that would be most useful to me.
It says 10.43
